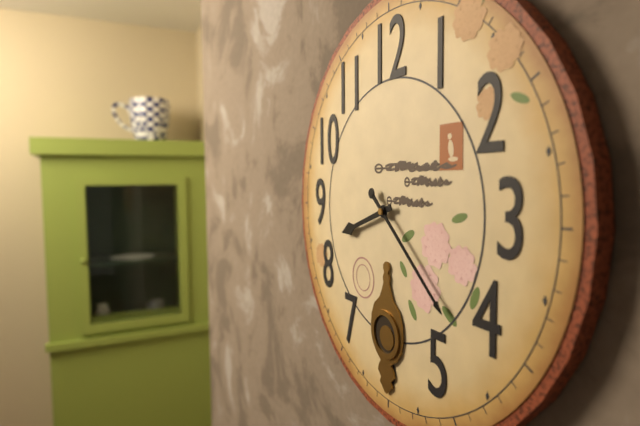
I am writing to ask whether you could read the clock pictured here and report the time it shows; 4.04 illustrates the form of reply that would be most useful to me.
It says 8.22
